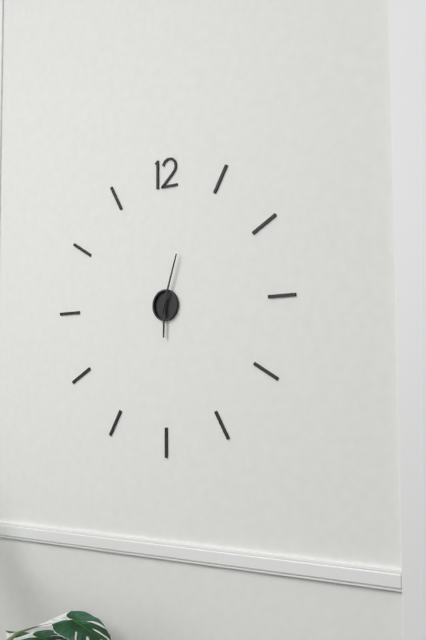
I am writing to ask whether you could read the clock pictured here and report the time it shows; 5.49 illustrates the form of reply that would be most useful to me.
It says 6.03
